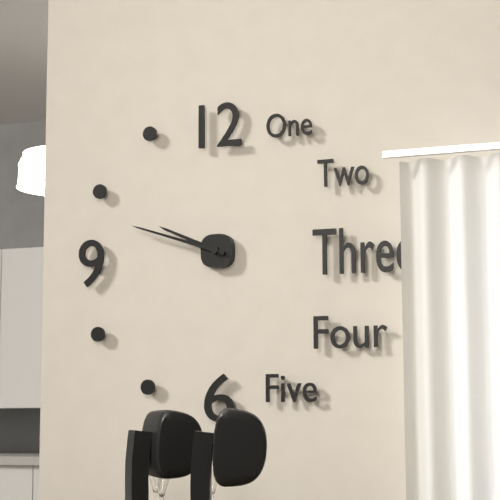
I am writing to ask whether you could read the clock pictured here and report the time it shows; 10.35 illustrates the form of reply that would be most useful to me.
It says 9.48
